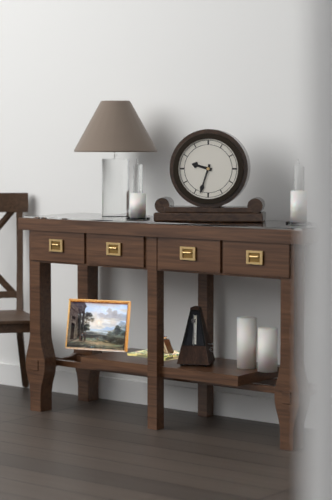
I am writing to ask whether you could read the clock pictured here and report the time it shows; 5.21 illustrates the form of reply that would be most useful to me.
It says 9.33
